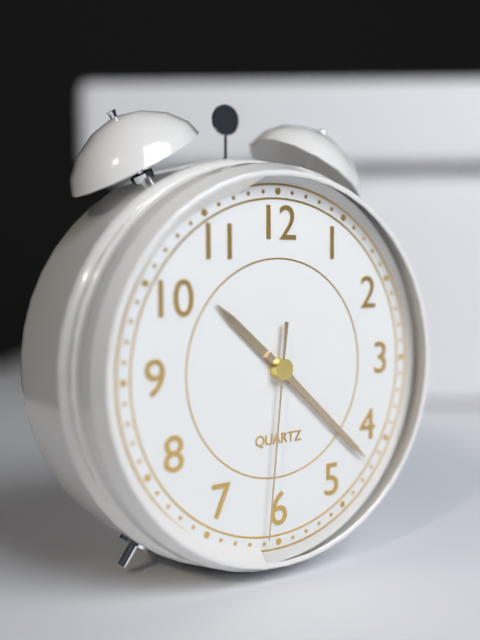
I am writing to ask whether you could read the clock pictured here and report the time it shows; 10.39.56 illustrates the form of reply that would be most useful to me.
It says 10.22.31
